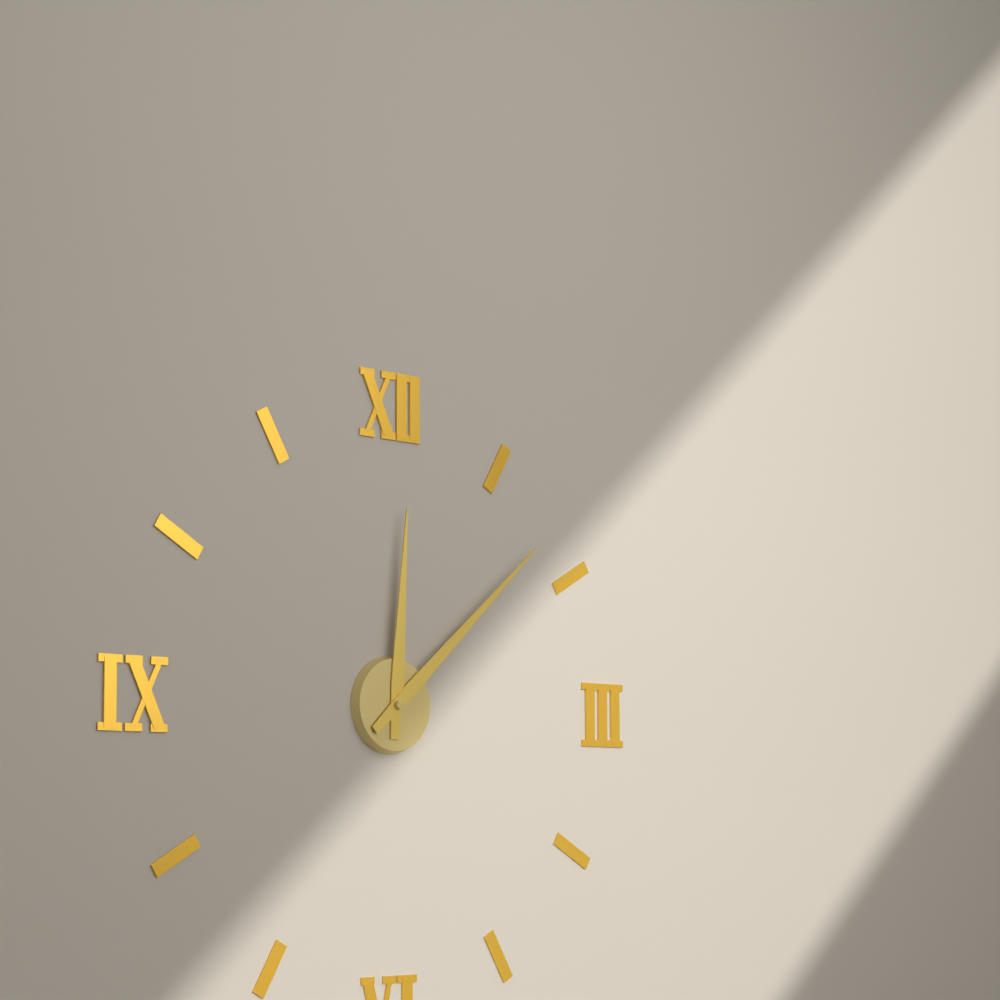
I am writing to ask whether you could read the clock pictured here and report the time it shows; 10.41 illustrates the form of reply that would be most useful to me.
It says 12.08
